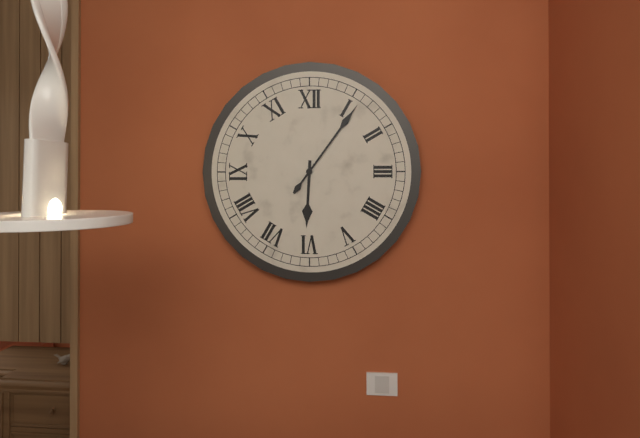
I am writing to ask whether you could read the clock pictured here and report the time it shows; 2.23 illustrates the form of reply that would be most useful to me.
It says 6.06
